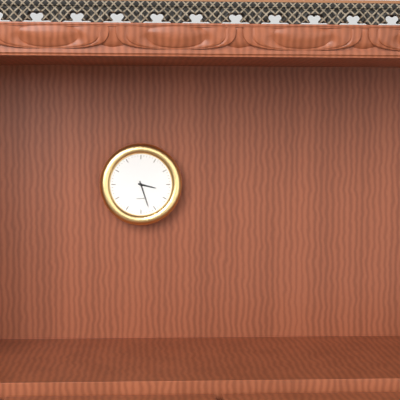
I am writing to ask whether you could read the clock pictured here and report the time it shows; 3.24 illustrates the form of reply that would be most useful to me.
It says 3.27
